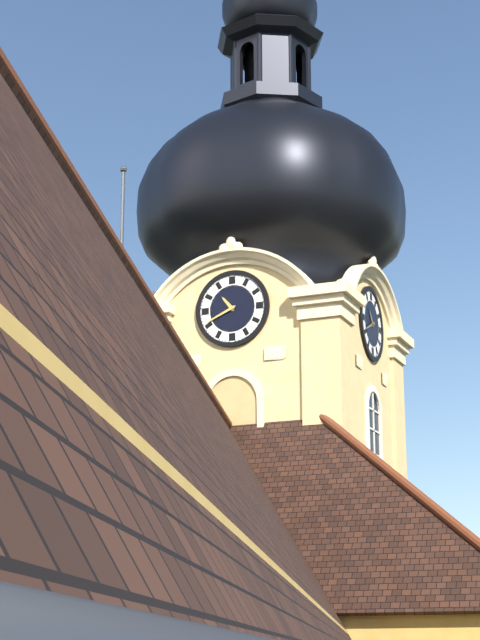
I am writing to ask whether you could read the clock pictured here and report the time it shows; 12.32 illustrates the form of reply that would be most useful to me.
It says 10.41
